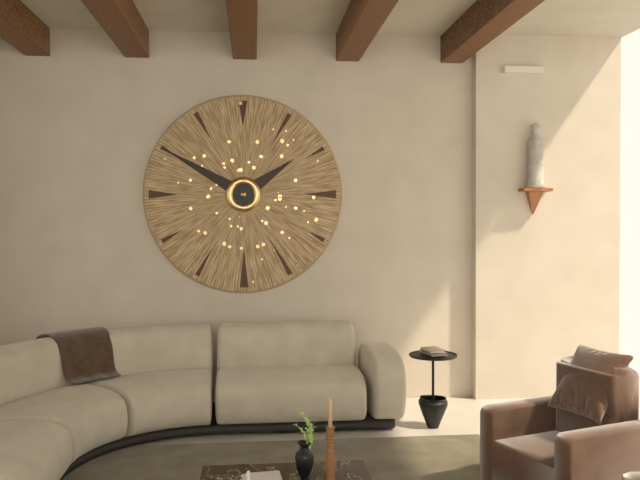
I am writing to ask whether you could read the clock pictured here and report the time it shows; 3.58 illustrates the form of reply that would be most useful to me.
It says 1.50
